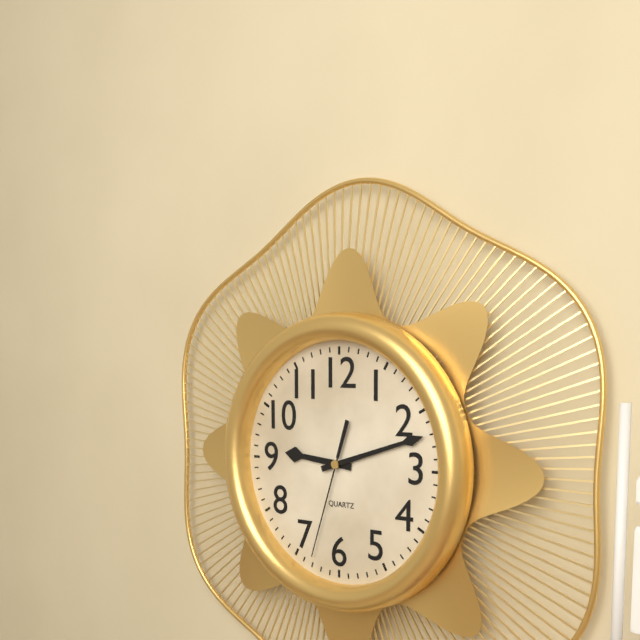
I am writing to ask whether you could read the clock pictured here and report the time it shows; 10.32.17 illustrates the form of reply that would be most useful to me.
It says 9.12.33
